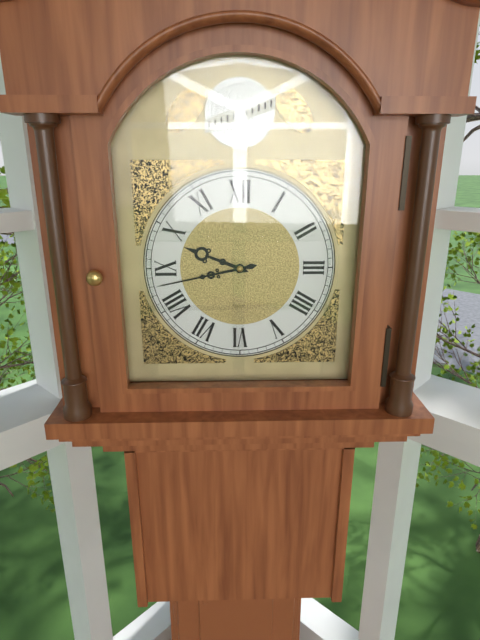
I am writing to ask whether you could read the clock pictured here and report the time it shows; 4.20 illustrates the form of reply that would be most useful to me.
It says 9.43
